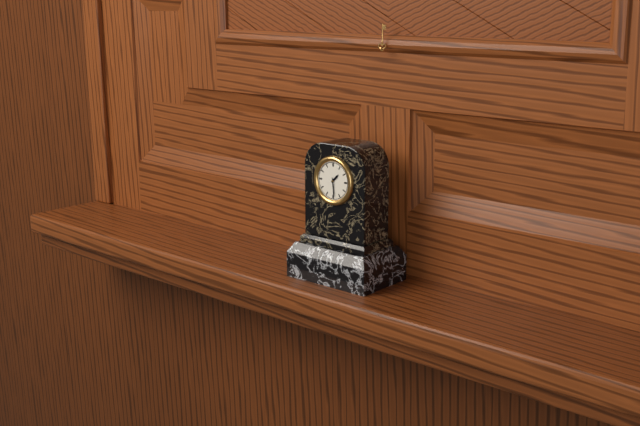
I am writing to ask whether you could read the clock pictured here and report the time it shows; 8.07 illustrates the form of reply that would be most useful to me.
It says 1.29
